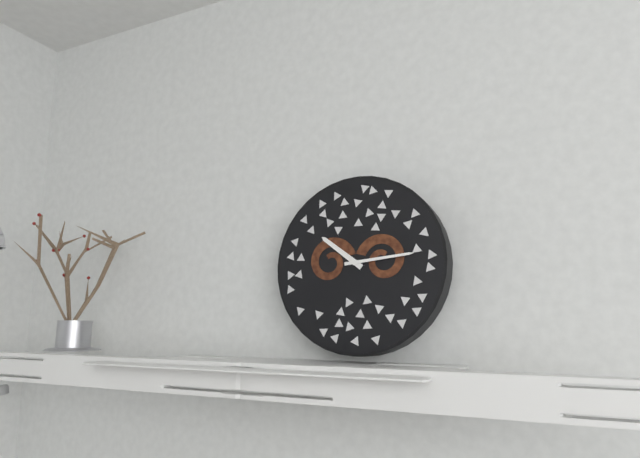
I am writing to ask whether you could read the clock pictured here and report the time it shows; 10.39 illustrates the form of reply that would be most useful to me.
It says 10.14
